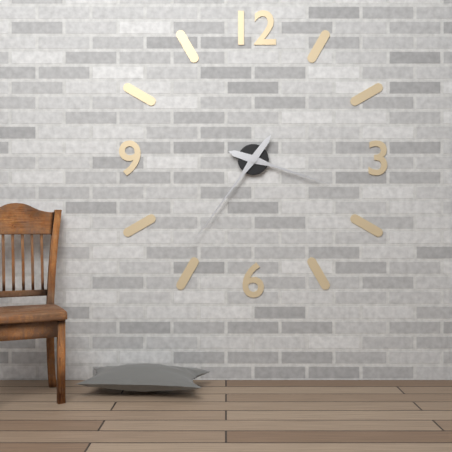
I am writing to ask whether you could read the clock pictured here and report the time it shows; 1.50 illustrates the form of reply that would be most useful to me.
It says 3.36
